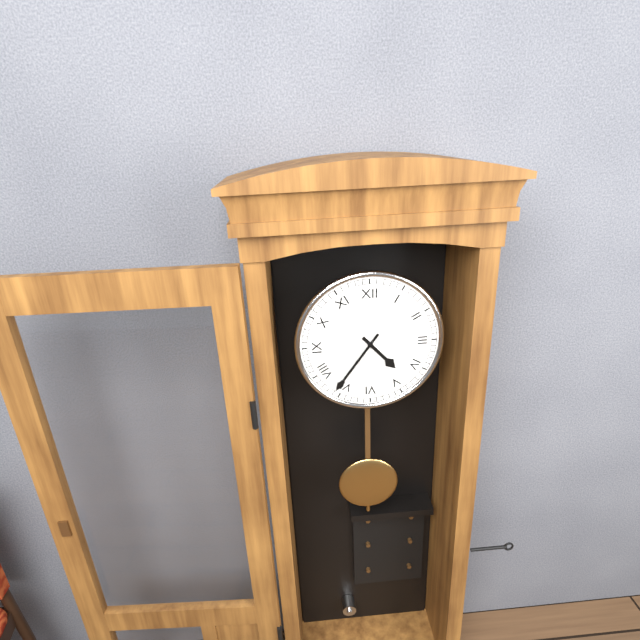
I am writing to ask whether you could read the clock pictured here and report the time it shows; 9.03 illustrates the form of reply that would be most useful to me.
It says 4.36
